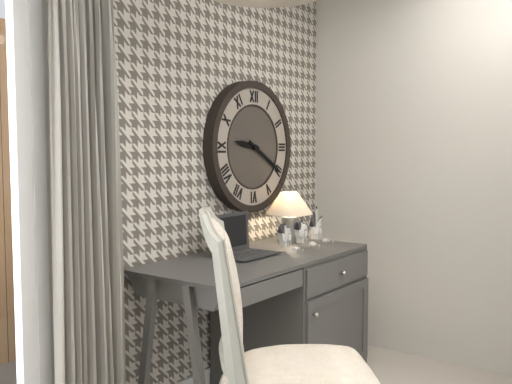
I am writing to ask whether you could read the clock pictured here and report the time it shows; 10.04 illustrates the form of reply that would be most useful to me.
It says 9.20
